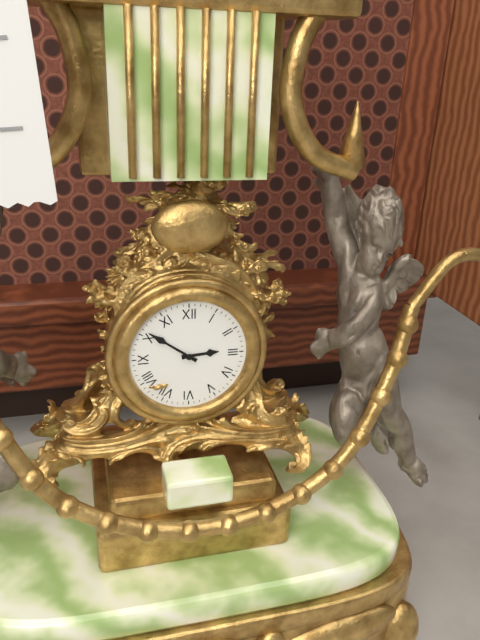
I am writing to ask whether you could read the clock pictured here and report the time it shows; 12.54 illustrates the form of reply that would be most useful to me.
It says 2.51
